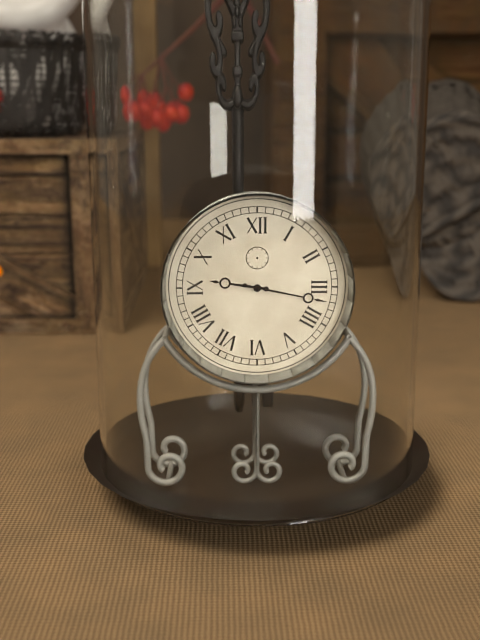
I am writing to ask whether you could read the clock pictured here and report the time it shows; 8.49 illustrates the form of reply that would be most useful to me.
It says 9.17
